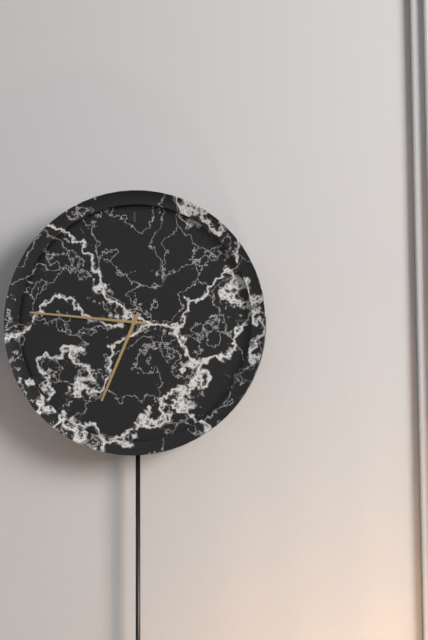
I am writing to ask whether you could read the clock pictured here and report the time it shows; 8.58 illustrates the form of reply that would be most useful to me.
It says 6.46
